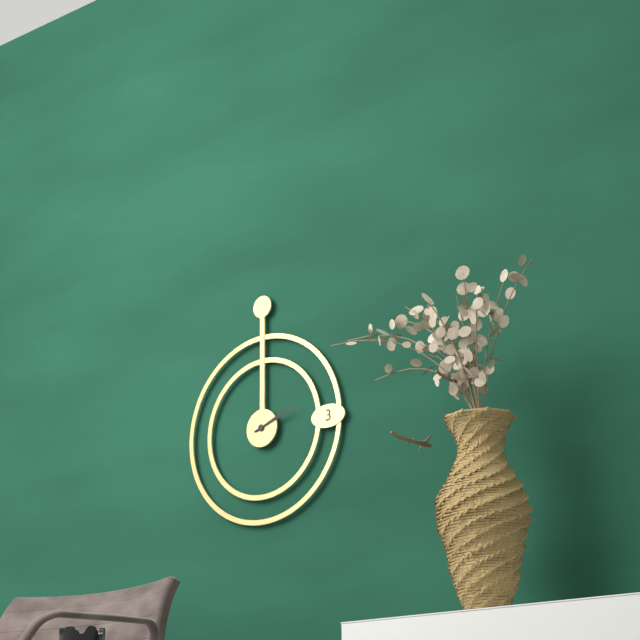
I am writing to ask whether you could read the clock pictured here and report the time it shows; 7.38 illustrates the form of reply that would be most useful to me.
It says 2.12
